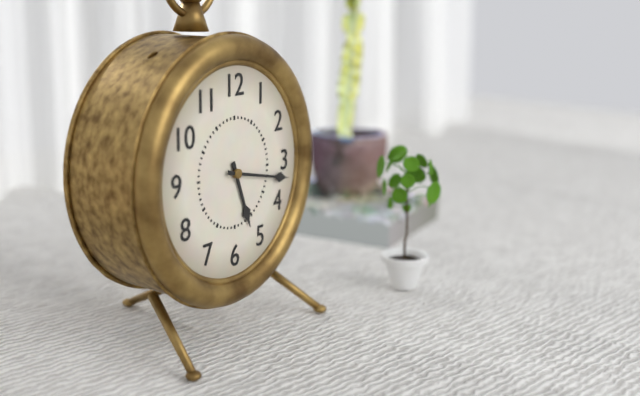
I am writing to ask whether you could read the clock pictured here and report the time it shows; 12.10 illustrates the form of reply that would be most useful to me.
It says 5.17
